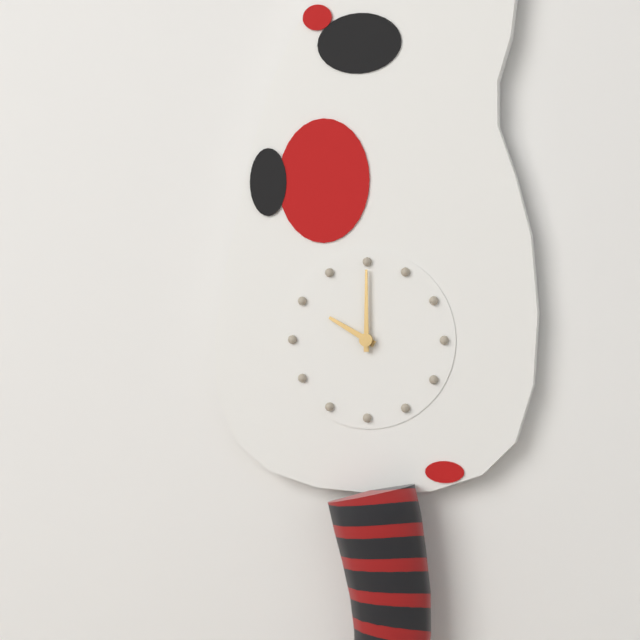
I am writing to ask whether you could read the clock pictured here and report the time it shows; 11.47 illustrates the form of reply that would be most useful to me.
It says 10.00
